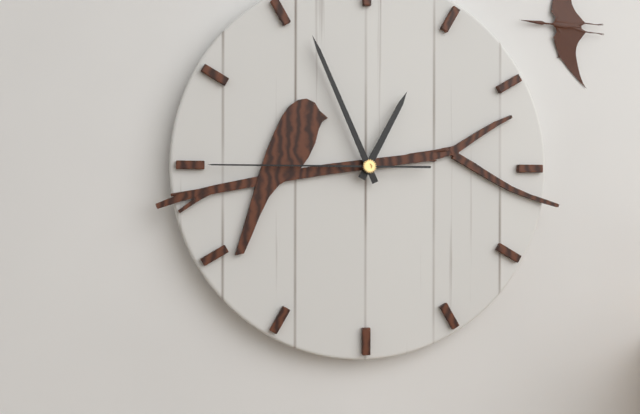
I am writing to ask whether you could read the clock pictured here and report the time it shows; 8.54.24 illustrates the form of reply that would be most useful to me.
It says 12.56.45
